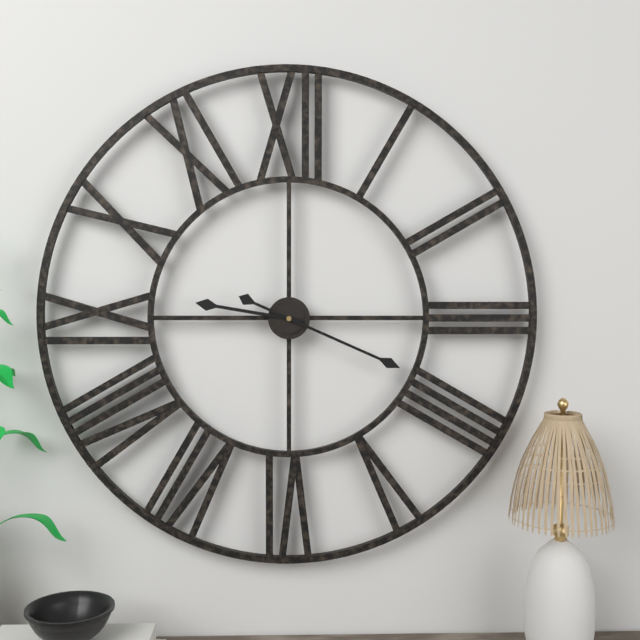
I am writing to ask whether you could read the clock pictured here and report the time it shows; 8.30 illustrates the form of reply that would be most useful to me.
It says 9.19
